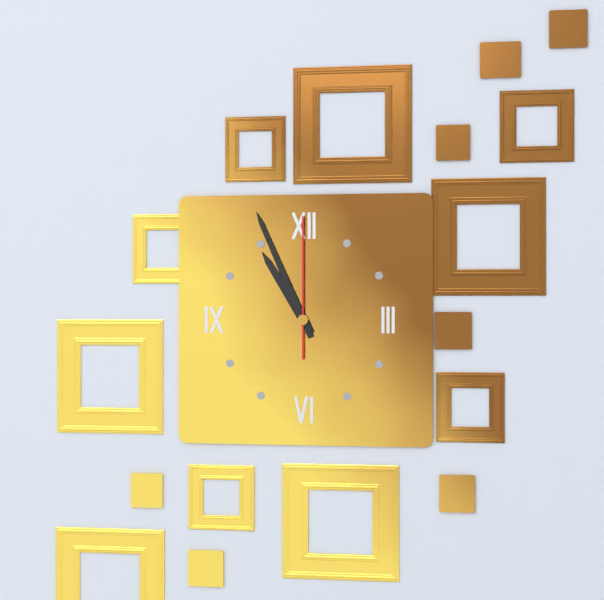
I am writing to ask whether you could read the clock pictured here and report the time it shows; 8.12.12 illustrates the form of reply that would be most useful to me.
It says 10.56.00
